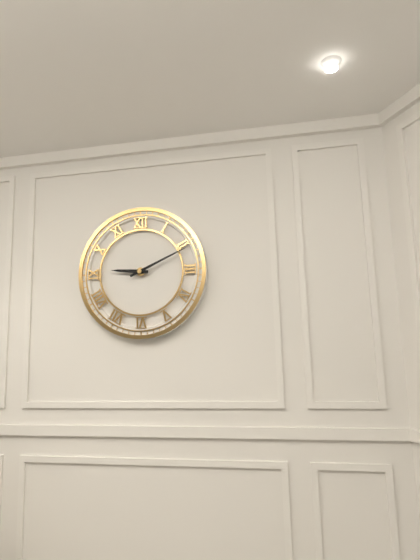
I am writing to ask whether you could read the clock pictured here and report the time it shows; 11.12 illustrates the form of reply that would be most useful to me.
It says 9.11
